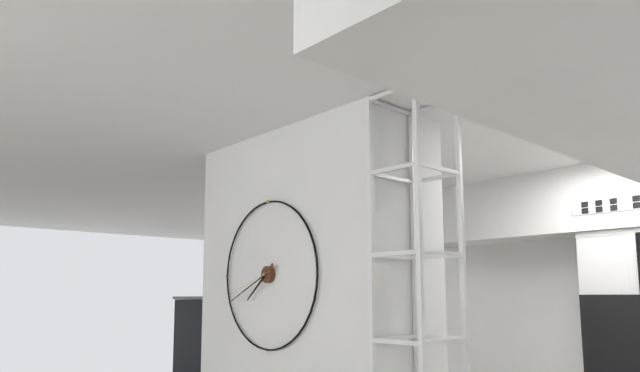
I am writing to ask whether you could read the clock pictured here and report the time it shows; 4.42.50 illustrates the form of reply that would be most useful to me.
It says 7.41.42
